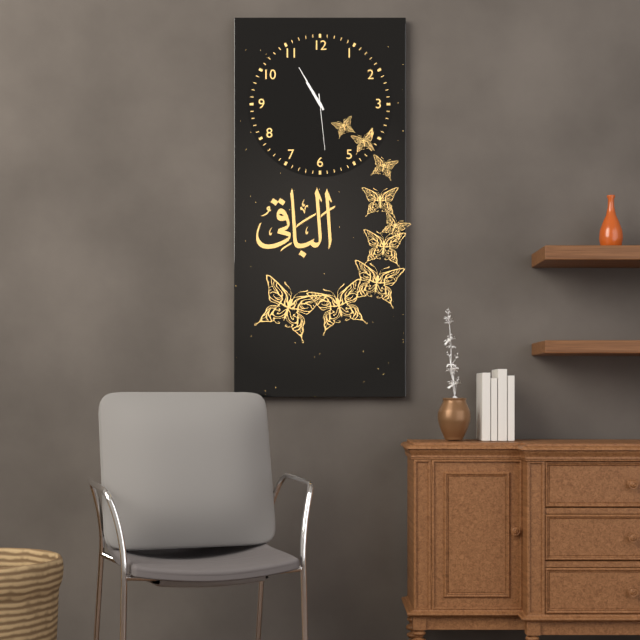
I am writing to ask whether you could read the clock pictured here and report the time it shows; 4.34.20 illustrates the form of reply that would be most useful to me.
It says 10.55.29
